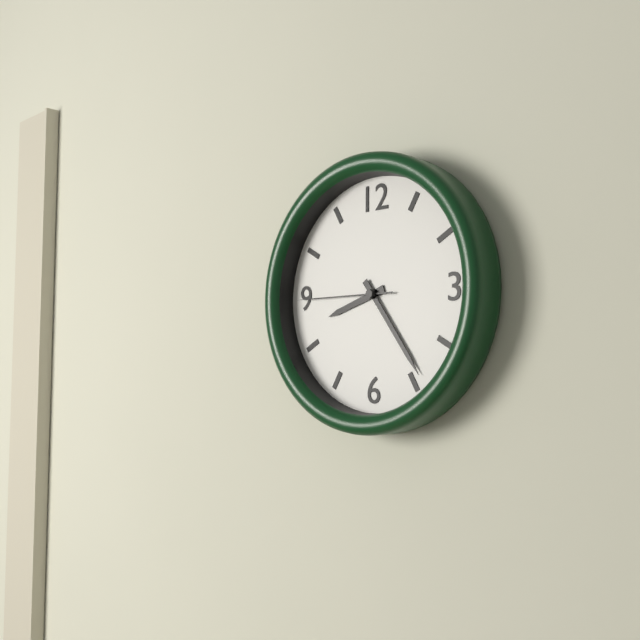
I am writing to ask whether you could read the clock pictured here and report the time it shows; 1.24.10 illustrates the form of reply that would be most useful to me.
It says 8.24.45
